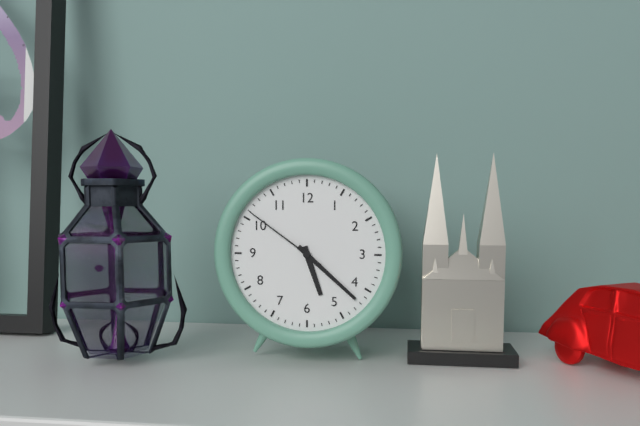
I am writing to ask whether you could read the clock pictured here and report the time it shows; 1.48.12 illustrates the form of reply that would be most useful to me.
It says 5.22.51
